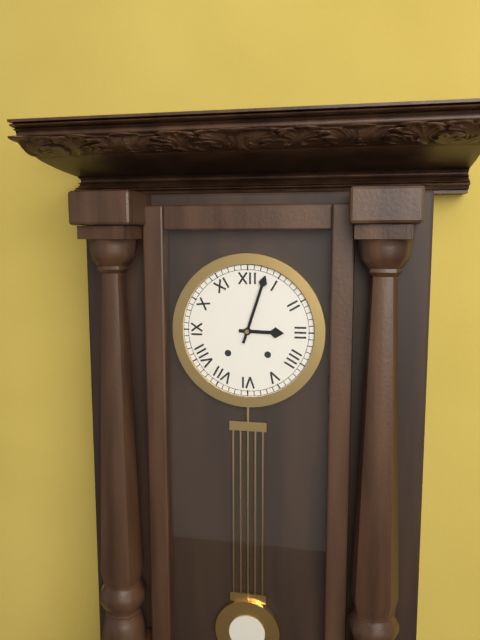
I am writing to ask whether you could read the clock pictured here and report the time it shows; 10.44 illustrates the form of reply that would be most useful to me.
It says 3.03
